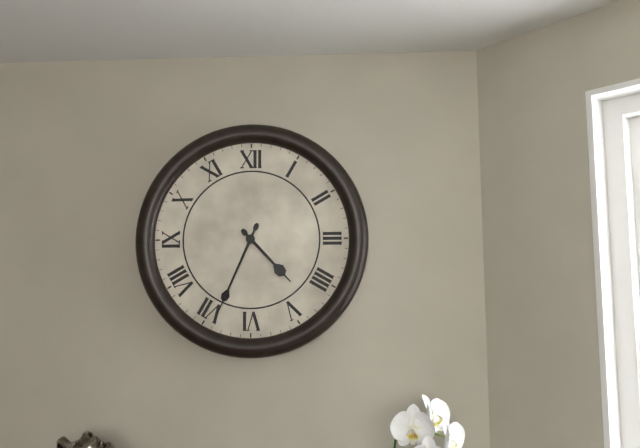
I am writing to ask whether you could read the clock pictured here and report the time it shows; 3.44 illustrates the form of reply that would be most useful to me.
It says 4.34
